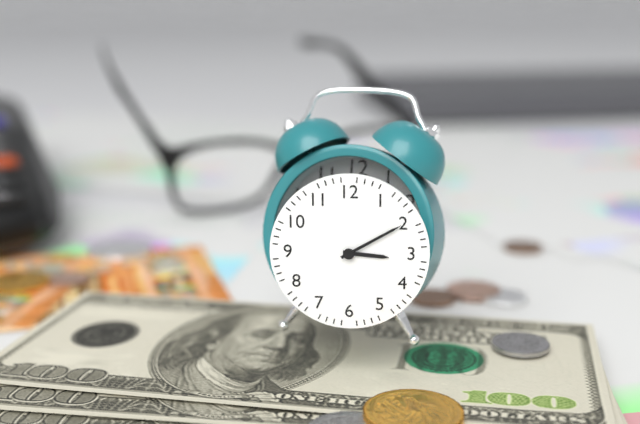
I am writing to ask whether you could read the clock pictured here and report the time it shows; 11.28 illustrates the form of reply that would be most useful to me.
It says 3.10
